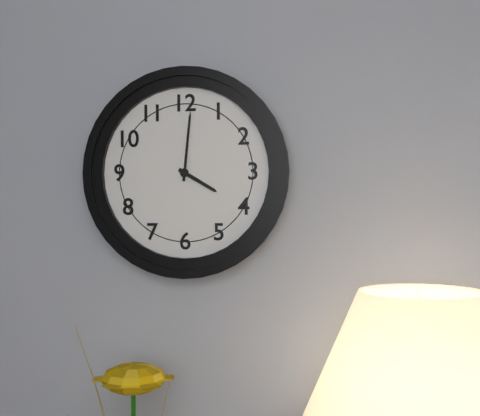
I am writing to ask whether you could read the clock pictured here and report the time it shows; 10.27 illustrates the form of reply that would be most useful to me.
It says 4.01
